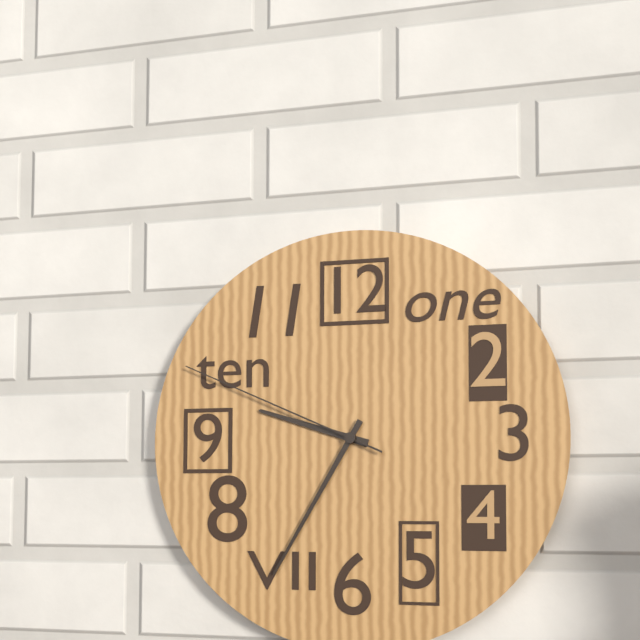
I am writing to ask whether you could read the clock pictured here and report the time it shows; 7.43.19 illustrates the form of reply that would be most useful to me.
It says 9.35.49
